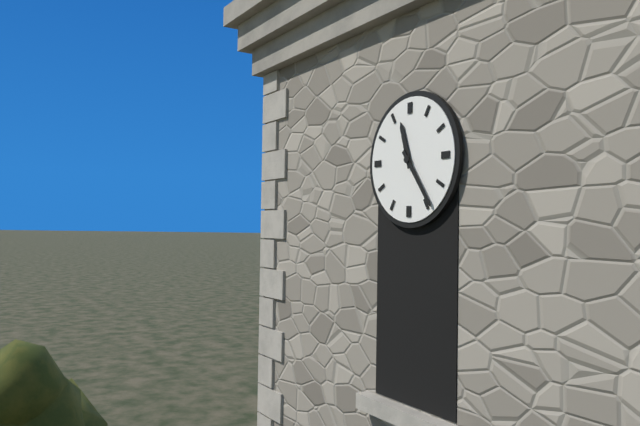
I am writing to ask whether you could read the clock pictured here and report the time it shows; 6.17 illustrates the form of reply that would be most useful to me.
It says 11.24
